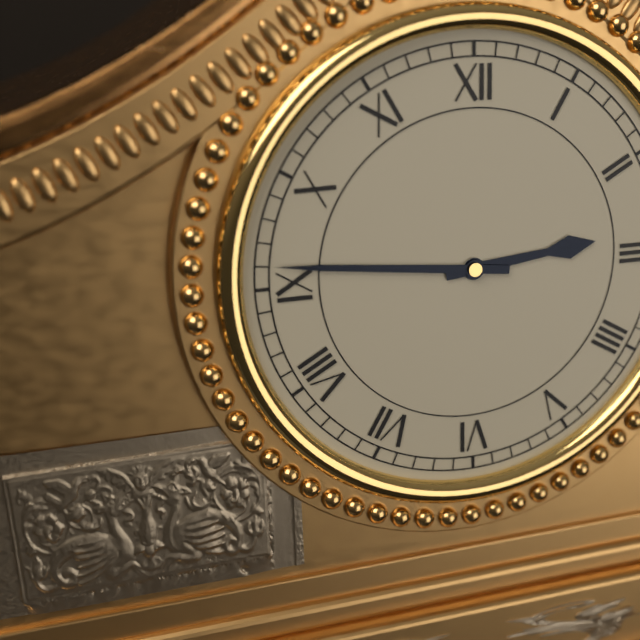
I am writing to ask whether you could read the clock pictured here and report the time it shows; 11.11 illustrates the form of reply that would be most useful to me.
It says 2.46
